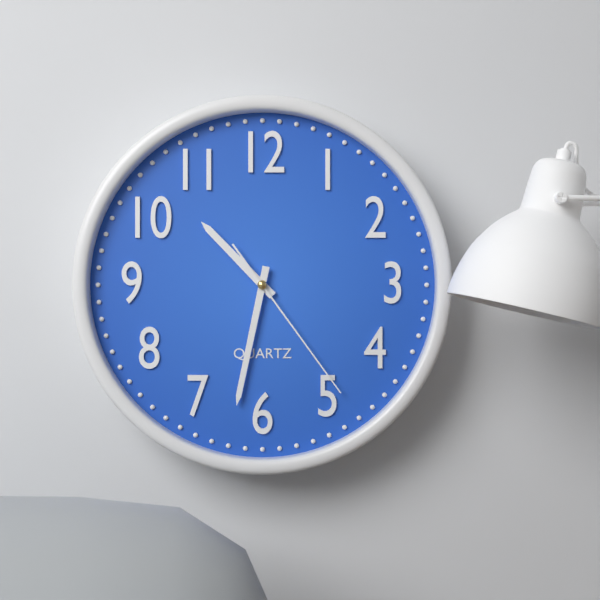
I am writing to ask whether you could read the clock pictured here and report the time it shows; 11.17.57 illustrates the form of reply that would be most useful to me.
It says 10.32.24
